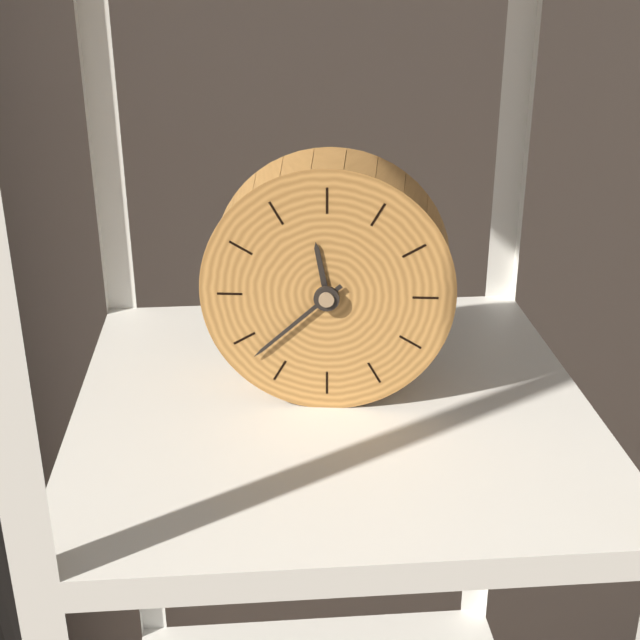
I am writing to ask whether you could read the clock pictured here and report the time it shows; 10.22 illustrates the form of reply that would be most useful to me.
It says 11.38
